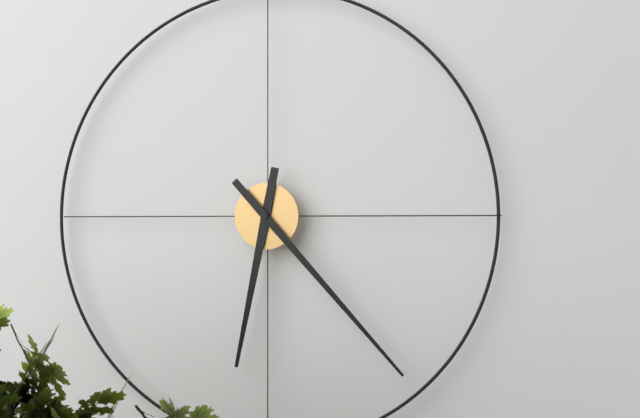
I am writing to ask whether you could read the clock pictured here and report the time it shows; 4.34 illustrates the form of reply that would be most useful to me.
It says 6.23
